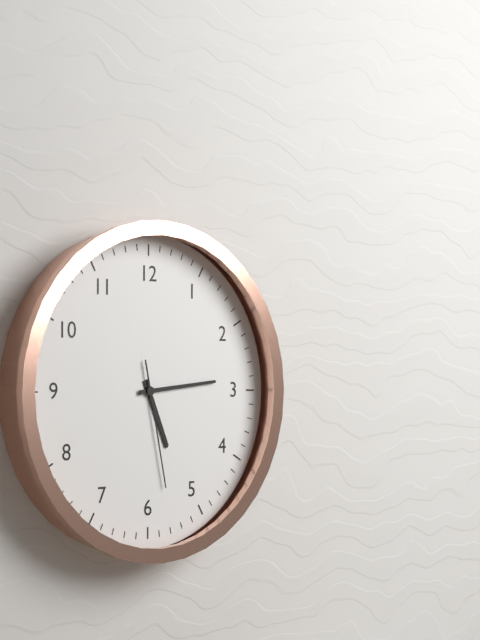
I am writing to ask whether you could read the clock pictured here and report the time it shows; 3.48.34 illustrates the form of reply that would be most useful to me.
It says 5.14.28
